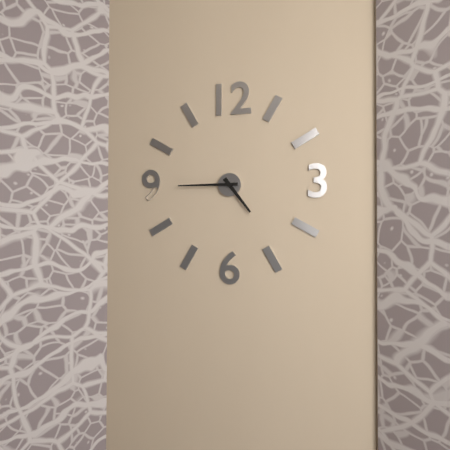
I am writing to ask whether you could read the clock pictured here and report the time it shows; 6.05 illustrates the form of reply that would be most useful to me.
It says 4.45
